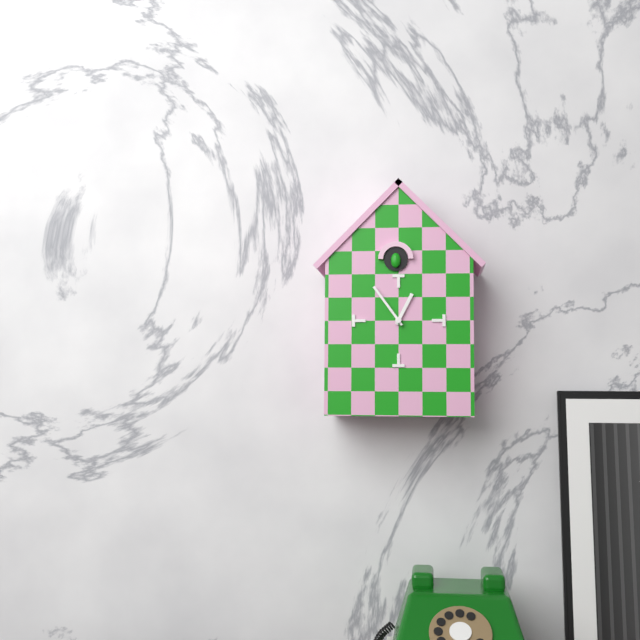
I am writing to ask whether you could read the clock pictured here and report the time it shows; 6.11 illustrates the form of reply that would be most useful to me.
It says 12.54
